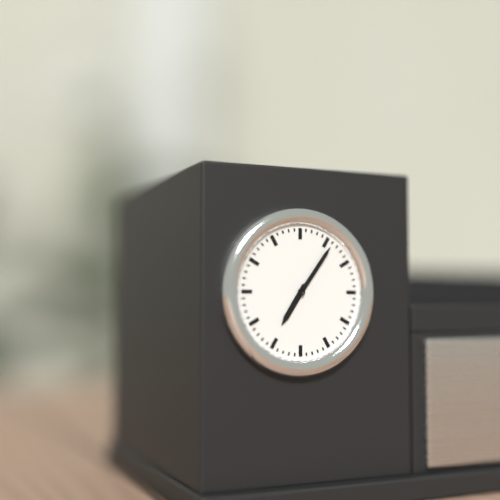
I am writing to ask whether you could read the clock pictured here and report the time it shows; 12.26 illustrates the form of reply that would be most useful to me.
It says 7.06
